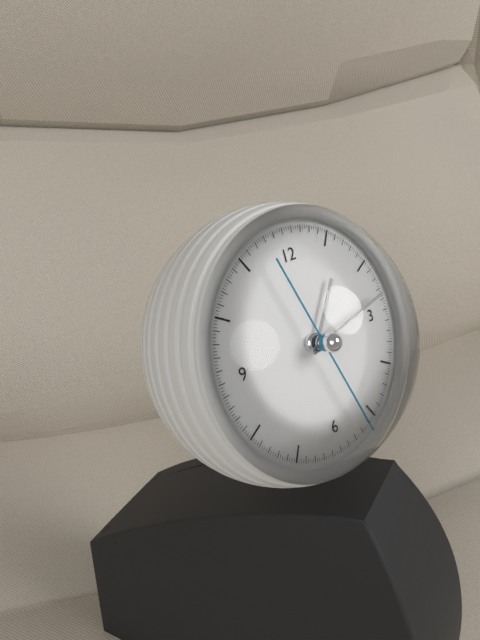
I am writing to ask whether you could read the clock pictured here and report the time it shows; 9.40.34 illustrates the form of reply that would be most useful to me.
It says 1.13.27
